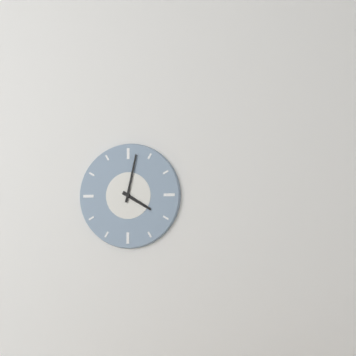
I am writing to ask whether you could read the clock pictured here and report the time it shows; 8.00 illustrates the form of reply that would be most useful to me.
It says 4.02
